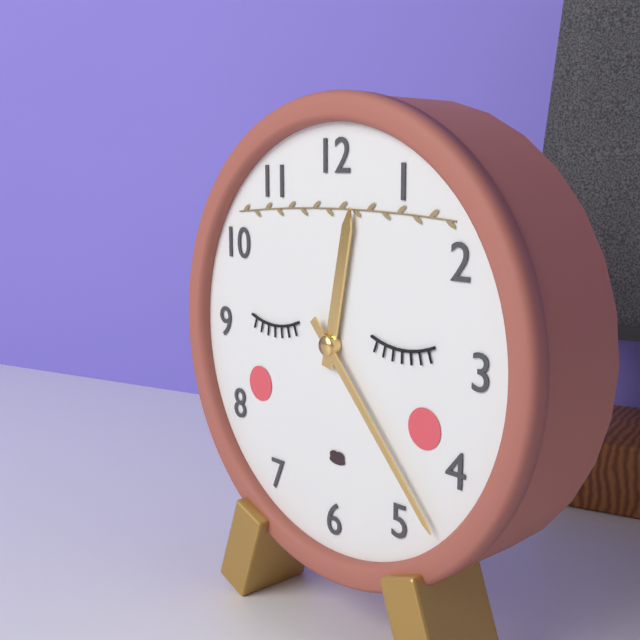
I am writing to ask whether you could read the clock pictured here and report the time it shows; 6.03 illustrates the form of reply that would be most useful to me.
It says 12.23
